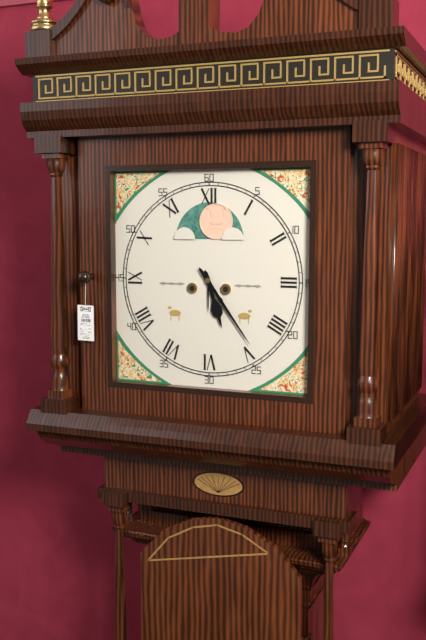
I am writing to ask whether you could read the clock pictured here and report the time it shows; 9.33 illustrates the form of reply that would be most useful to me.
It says 5.24
